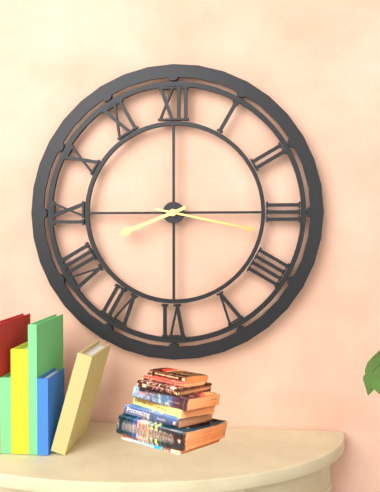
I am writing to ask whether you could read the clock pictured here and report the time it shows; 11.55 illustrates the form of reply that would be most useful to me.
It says 8.17
